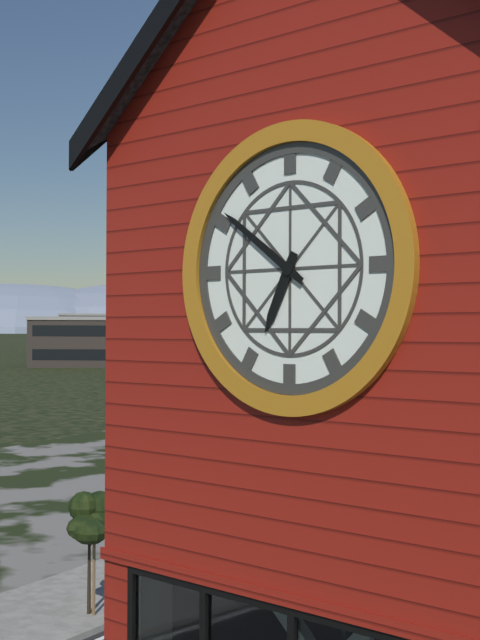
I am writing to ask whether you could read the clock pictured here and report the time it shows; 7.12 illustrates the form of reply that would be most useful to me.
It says 6.51
